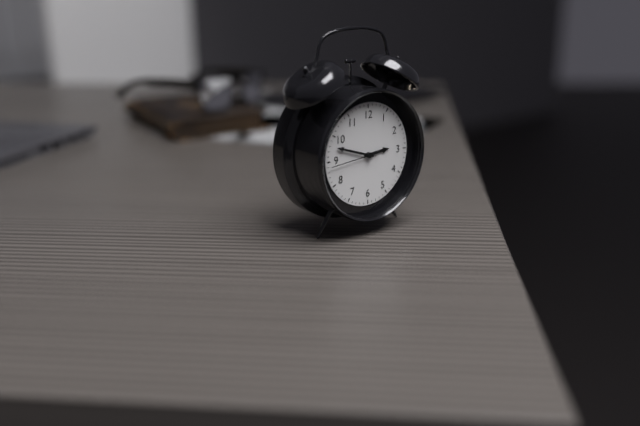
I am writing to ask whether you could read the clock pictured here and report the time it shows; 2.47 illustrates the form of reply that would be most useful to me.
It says 2.48
